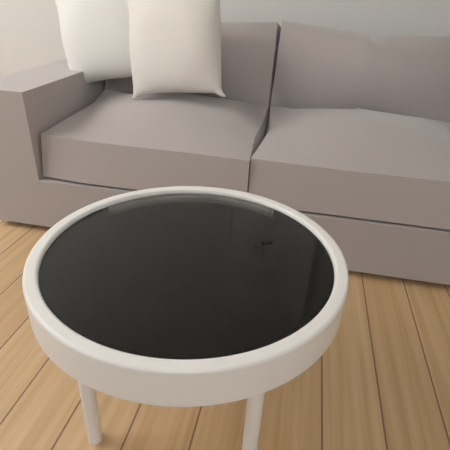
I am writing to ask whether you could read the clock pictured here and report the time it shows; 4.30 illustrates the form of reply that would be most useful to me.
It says 11.26
